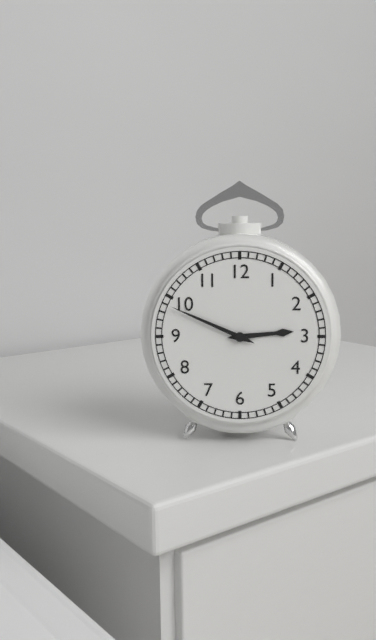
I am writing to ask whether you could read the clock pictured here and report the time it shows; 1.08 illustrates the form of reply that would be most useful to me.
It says 2.49
